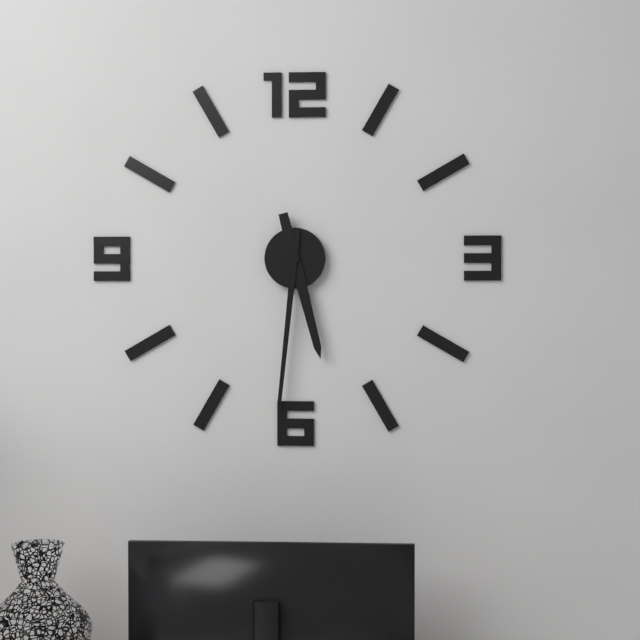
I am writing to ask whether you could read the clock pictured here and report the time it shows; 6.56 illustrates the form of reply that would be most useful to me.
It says 5.31
